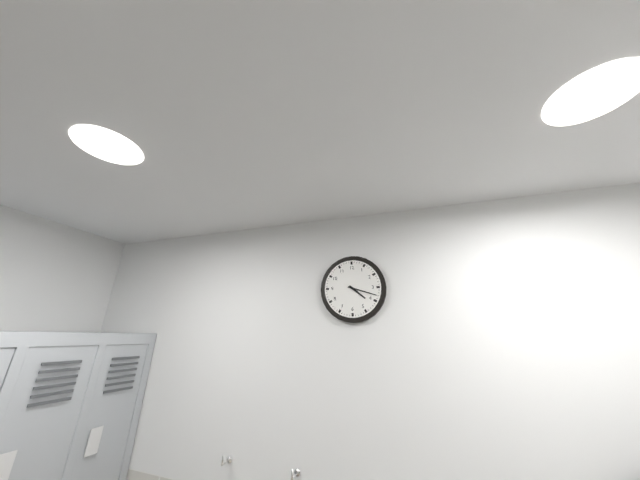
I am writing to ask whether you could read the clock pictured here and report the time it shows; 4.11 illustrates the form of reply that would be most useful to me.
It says 4.18
